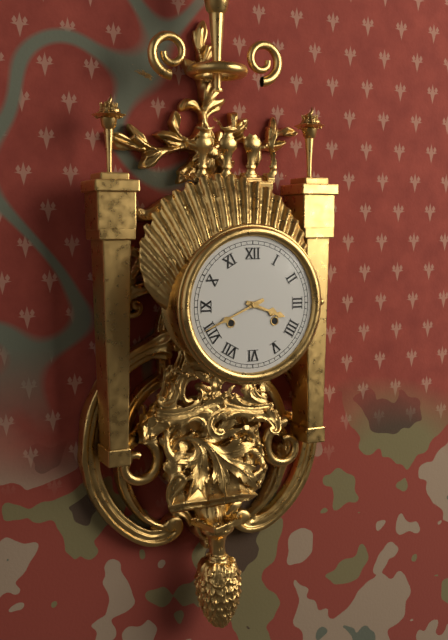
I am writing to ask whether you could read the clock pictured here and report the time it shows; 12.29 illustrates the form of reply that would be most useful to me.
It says 3.41
